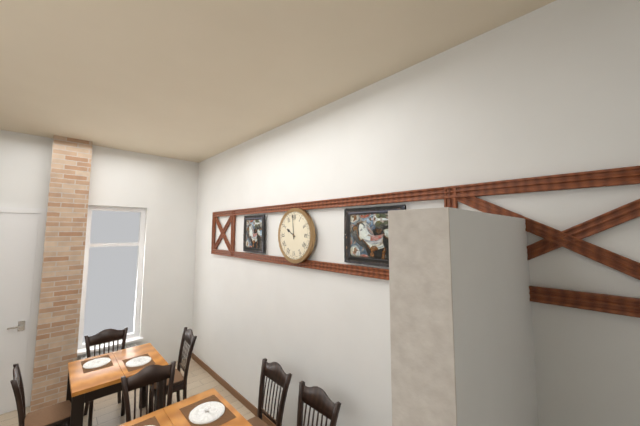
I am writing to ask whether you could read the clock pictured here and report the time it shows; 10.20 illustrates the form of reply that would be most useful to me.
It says 9.59
